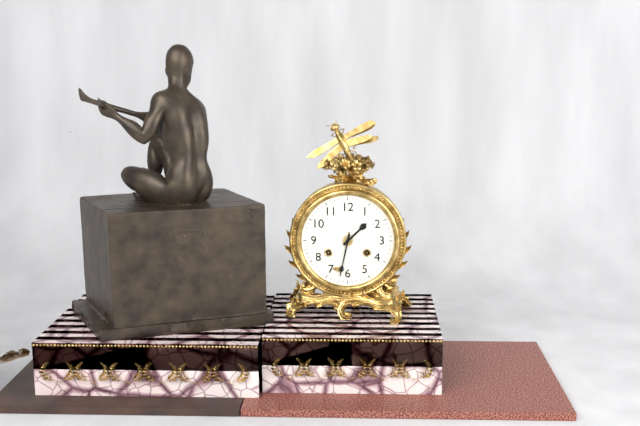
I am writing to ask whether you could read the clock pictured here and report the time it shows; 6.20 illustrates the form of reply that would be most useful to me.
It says 1.32
